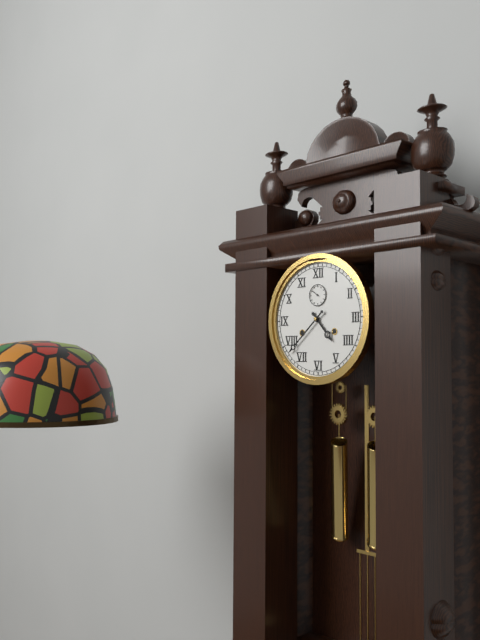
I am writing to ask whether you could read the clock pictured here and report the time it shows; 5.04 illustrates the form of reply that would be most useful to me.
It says 4.38
